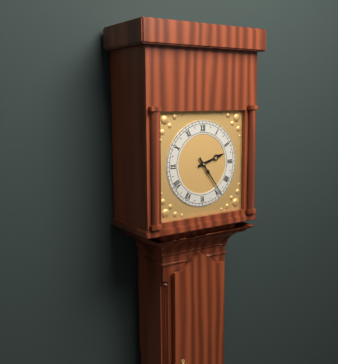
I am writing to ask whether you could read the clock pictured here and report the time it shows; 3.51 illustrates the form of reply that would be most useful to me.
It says 2.24
